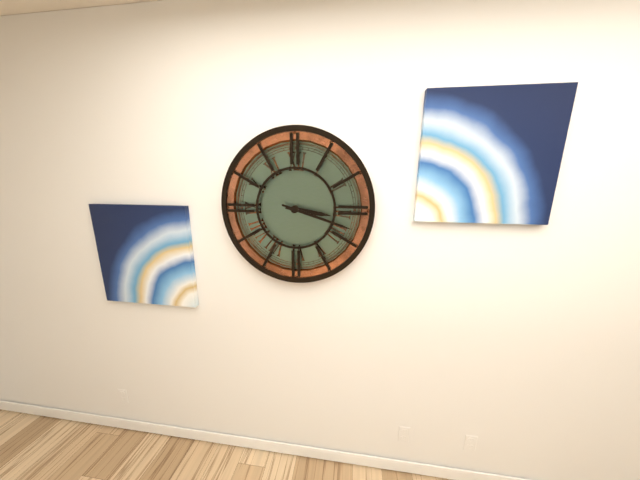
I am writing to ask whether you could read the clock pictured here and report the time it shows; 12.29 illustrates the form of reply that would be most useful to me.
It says 3.18
